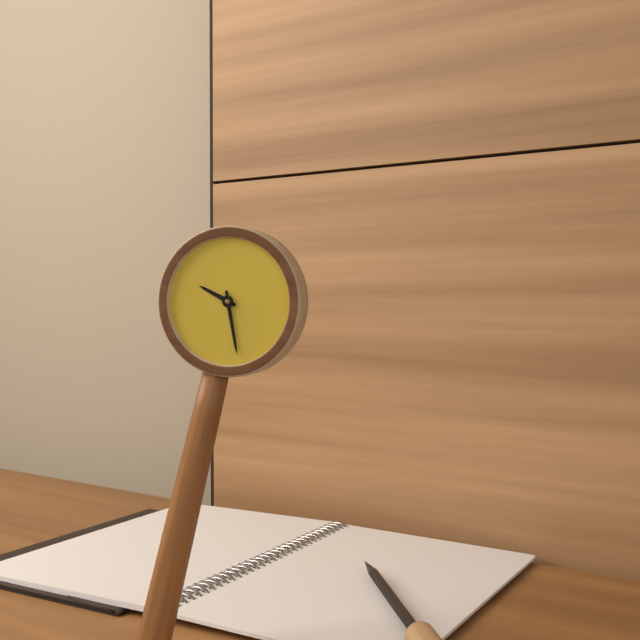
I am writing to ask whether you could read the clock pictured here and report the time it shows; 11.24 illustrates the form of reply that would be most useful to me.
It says 9.26
